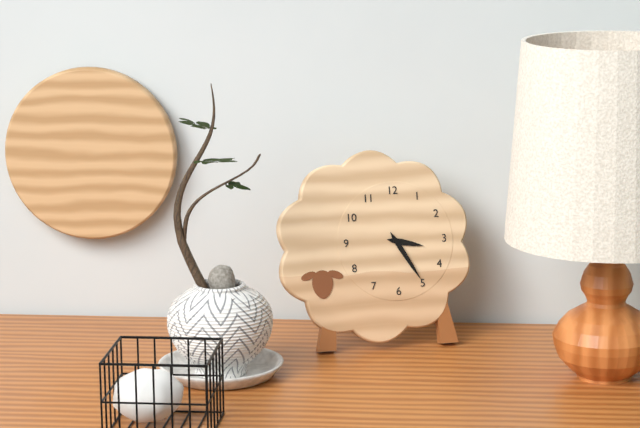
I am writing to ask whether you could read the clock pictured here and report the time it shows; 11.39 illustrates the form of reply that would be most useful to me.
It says 3.25
